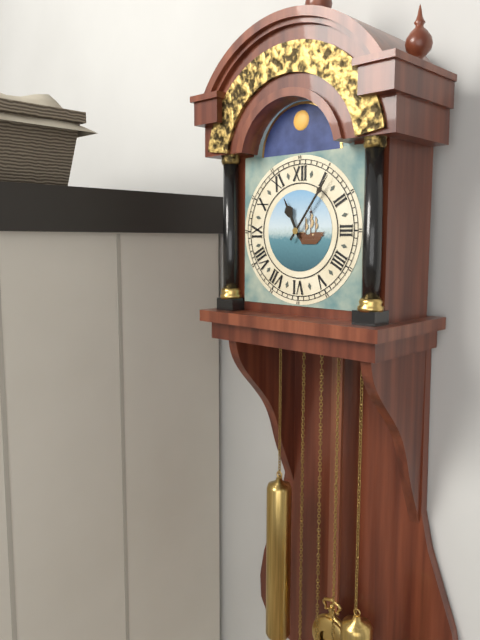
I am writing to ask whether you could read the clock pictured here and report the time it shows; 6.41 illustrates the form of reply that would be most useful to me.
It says 11.06
